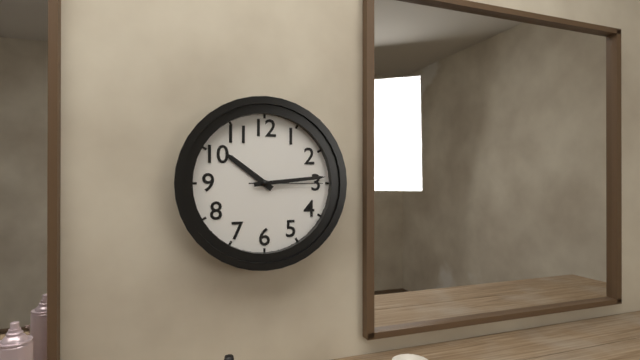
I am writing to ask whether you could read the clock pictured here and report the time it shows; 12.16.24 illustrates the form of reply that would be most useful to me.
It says 10.14.15
